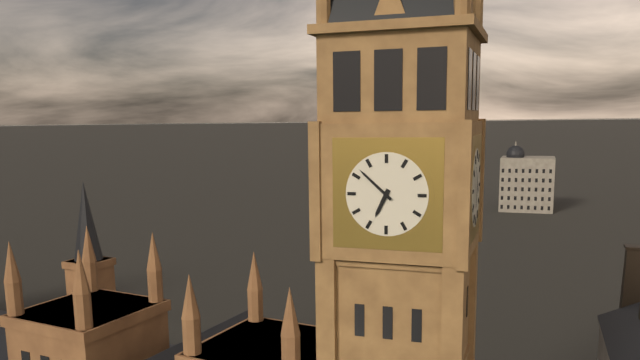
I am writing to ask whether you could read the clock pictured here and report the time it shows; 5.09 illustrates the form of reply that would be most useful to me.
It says 6.52
